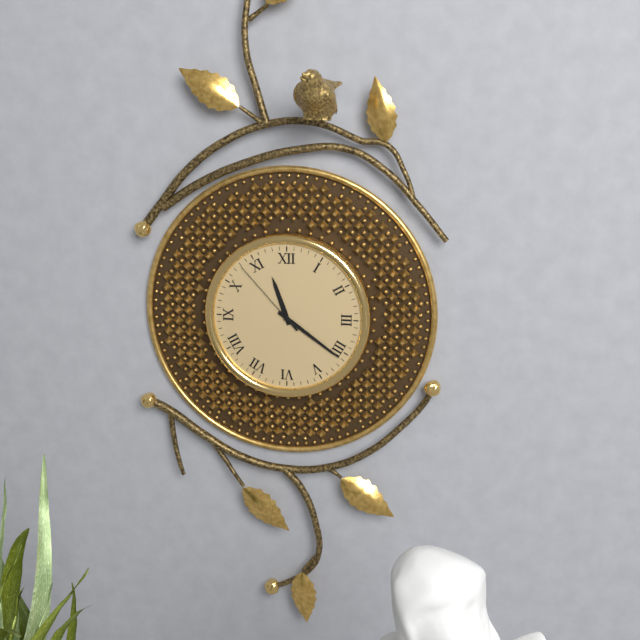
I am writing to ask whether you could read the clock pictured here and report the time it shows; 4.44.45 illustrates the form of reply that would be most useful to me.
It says 11.21.53
